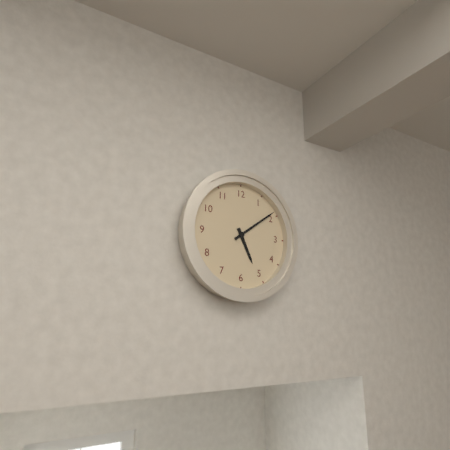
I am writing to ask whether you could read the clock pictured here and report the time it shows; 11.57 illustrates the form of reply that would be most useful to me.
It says 5.09
